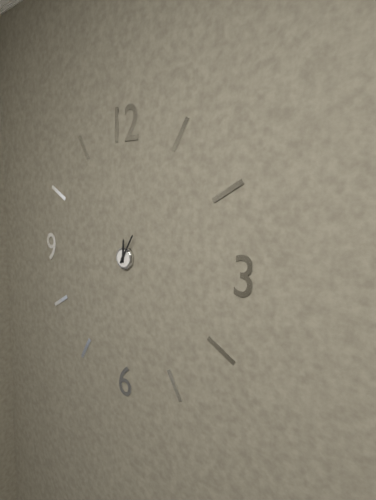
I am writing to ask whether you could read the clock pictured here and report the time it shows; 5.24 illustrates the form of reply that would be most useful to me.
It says 12.05
